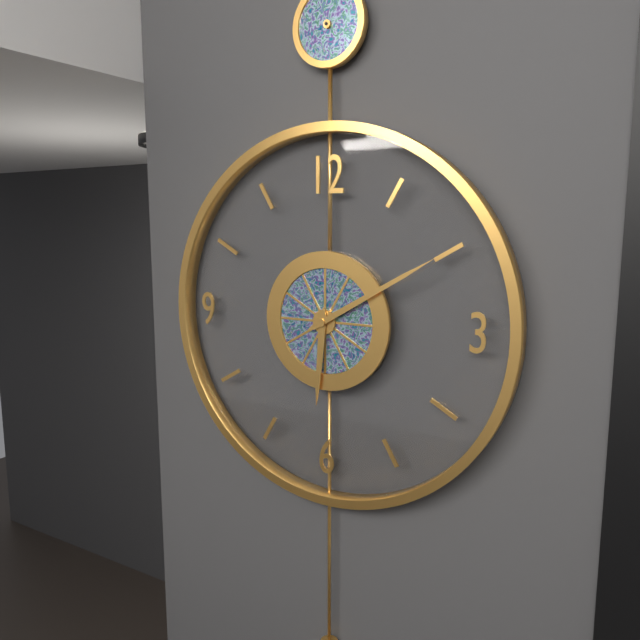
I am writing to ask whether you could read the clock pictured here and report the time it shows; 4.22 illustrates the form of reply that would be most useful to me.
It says 6.10
